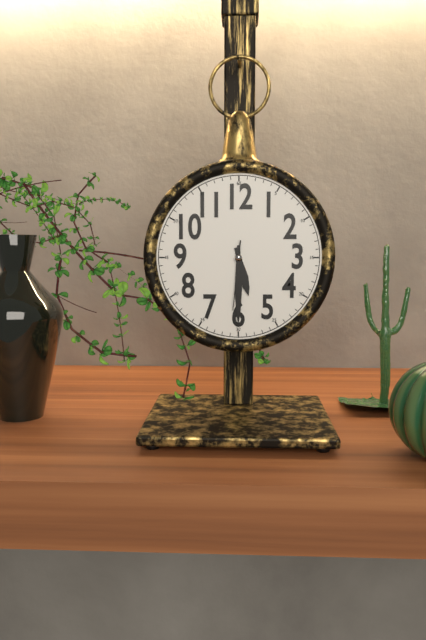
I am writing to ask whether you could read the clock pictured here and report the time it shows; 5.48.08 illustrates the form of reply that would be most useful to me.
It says 5.30.31
